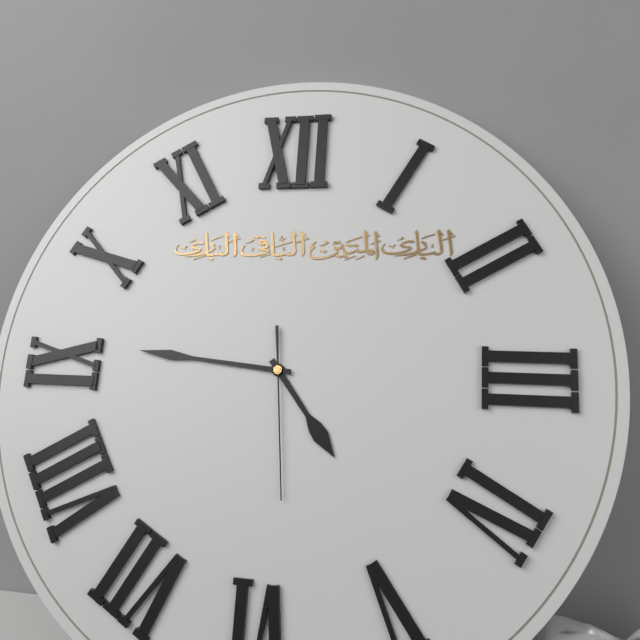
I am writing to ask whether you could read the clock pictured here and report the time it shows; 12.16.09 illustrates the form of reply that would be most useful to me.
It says 4.46.29
